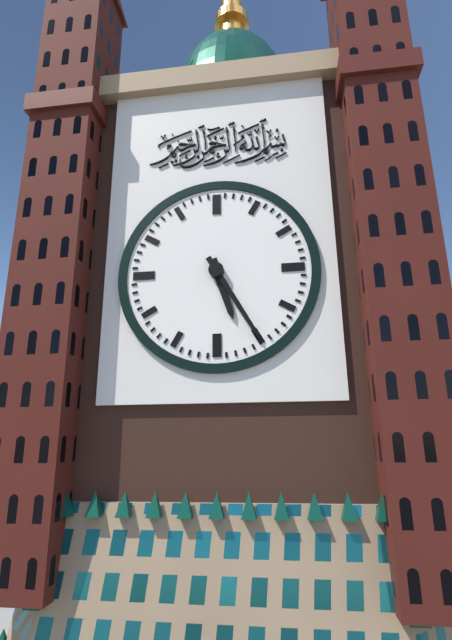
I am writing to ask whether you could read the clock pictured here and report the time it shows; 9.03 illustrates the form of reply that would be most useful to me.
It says 5.25
